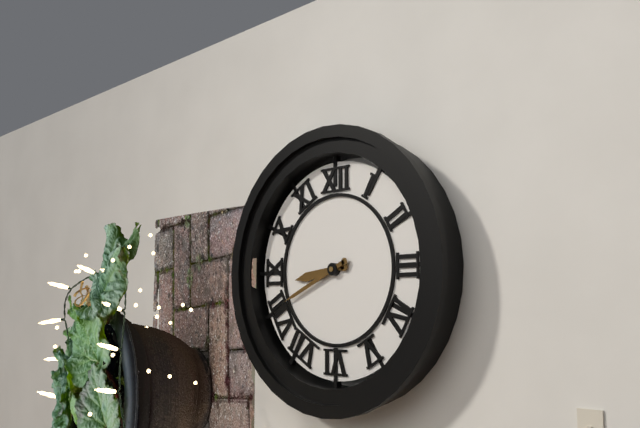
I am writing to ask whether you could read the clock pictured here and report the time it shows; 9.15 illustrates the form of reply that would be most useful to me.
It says 8.41
